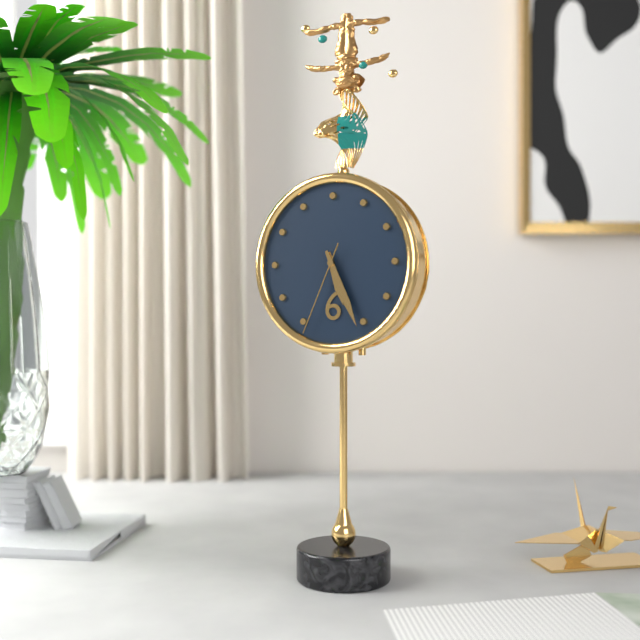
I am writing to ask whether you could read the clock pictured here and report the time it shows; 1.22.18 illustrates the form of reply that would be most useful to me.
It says 5.26.34
